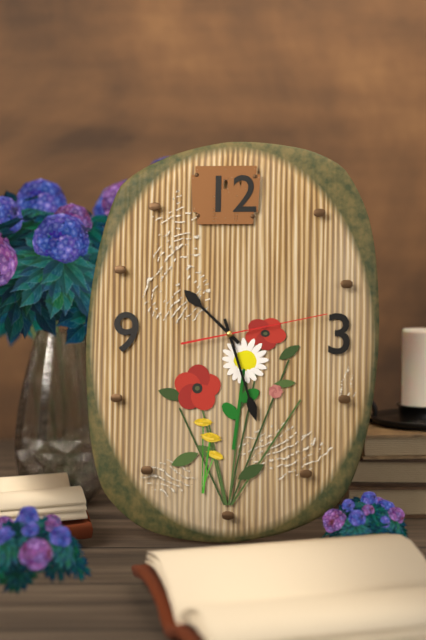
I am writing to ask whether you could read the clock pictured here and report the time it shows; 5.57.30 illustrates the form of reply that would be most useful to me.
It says 10.27.13
